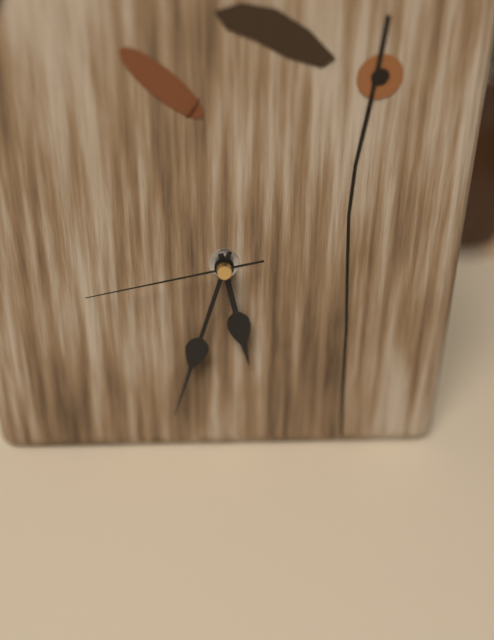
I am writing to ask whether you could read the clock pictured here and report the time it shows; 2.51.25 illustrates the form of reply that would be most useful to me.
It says 5.33.43
